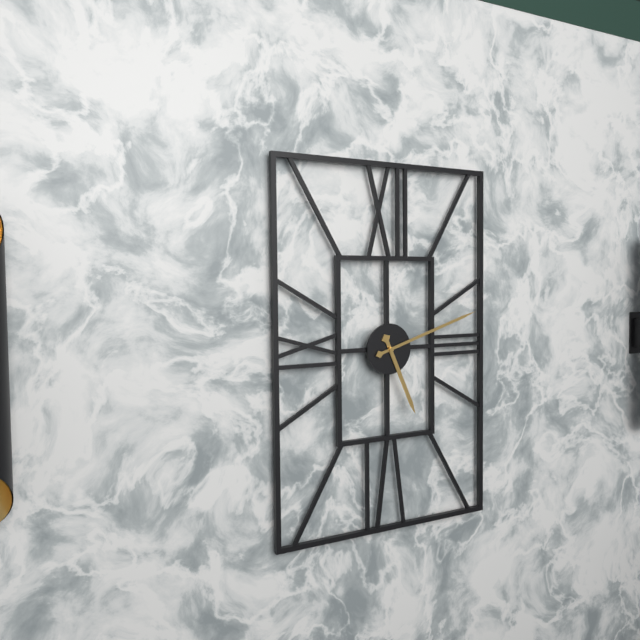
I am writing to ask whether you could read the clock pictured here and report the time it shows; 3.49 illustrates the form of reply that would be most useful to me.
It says 5.12
